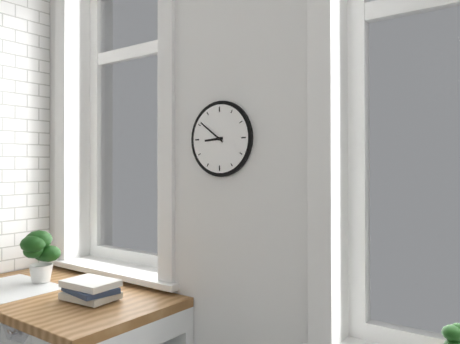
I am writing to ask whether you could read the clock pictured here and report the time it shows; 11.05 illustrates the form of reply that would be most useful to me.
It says 8.51
